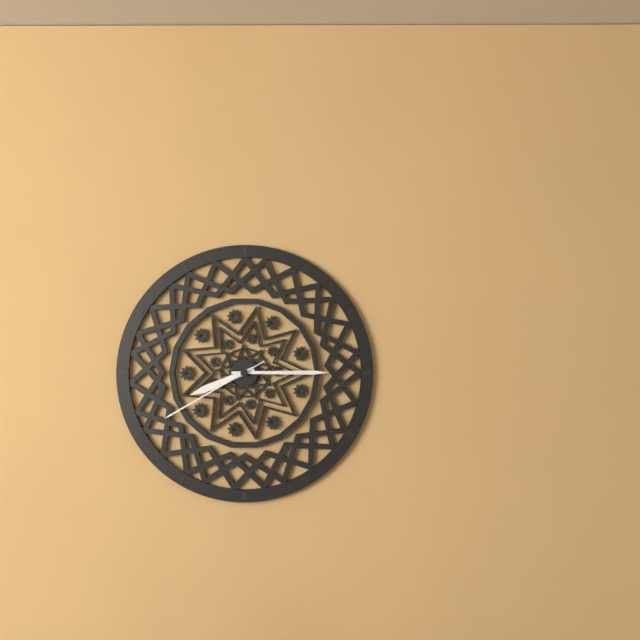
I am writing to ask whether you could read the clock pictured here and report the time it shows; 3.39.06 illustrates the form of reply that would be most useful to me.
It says 8.15.40
